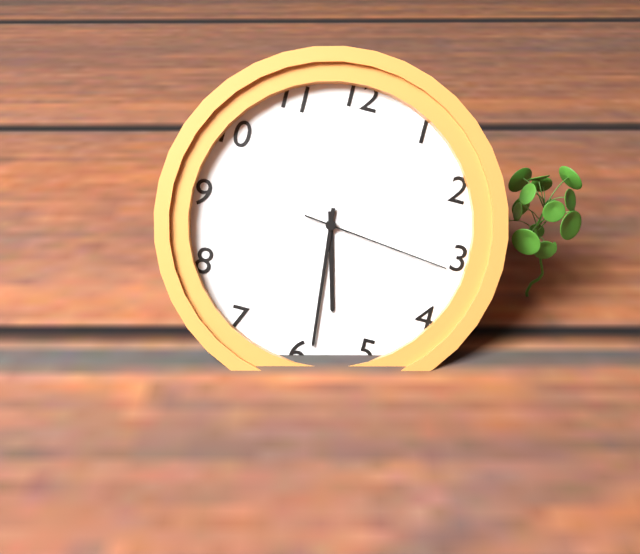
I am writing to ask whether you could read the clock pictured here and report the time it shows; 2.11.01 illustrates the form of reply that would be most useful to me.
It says 5.29.16
